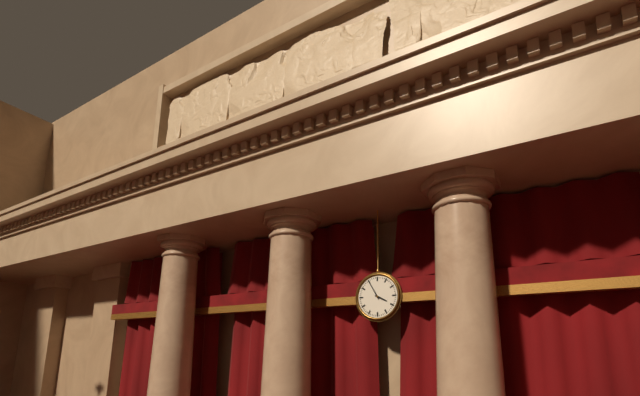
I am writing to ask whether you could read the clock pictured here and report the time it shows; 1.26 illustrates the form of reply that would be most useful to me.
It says 3.55
